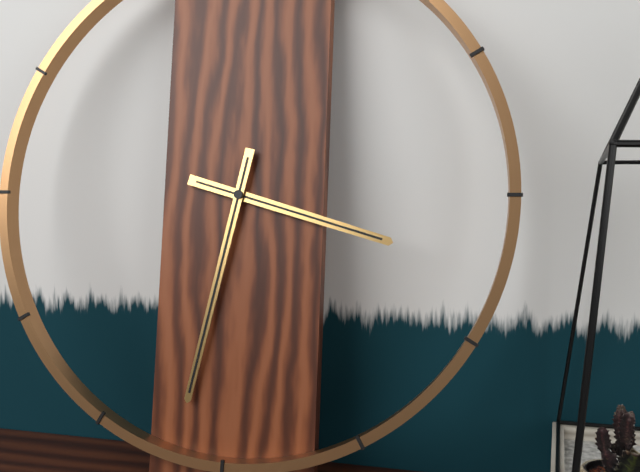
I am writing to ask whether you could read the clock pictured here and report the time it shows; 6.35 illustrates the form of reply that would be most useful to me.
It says 3.32
